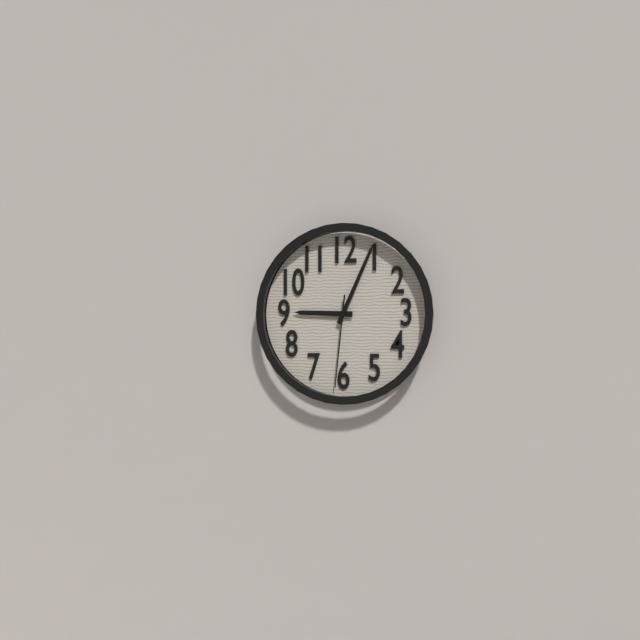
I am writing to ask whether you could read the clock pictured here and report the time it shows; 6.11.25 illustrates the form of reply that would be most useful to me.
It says 9.04.31
